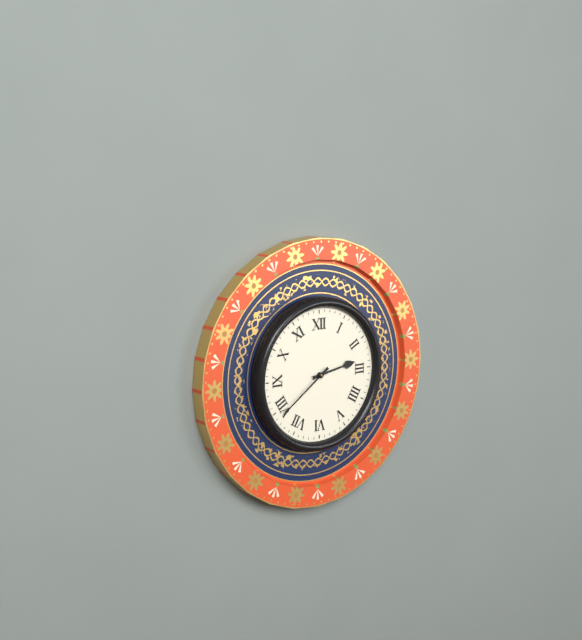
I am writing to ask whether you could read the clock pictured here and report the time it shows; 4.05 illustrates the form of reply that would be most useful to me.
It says 2.39
